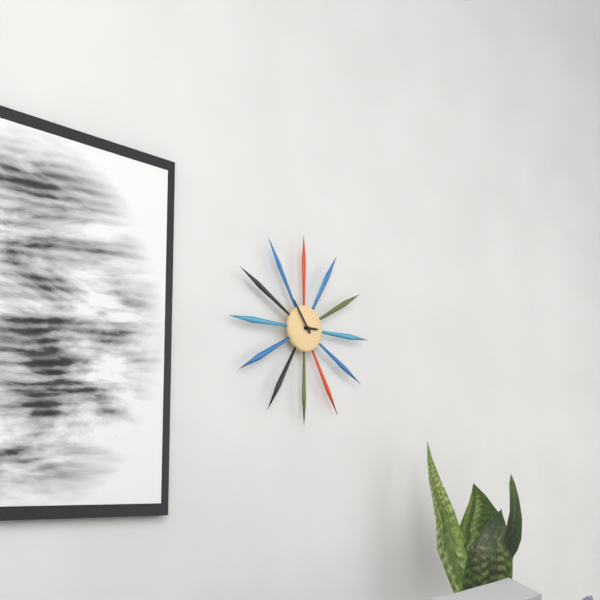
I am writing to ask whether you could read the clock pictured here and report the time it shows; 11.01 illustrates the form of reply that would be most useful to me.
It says 2.54
